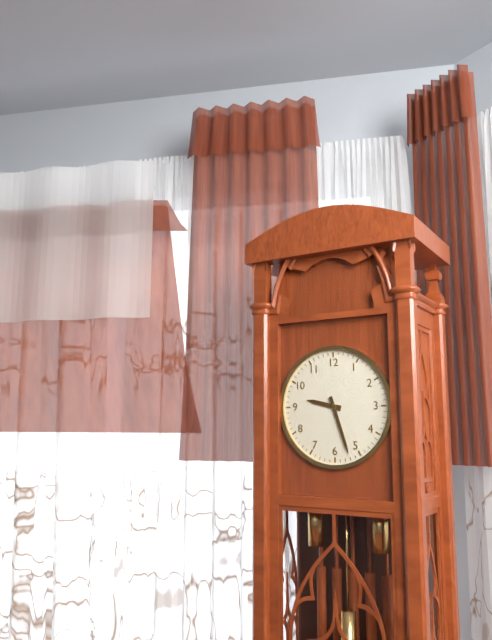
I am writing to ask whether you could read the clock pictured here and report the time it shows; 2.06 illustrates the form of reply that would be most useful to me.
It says 9.27
